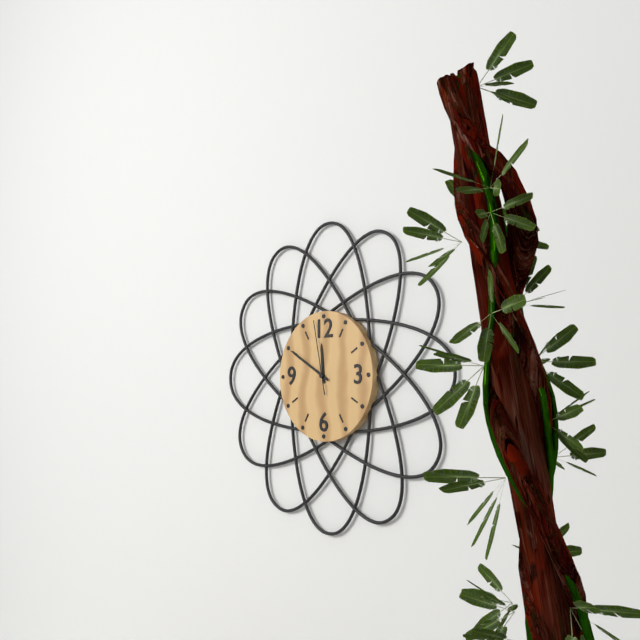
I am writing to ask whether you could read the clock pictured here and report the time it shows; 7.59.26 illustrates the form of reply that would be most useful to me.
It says 11.50.58
